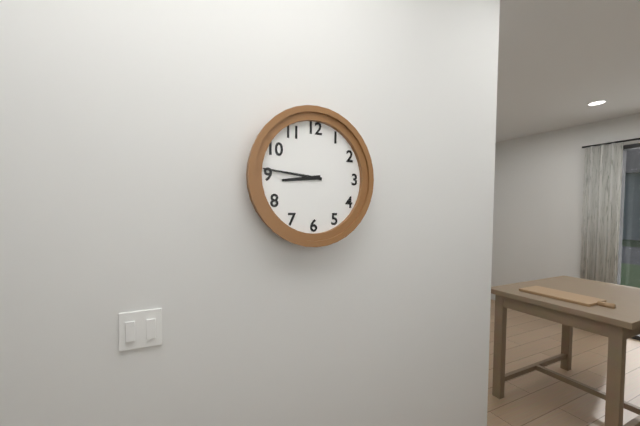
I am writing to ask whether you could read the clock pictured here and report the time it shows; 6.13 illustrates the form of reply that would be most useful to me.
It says 8.46
